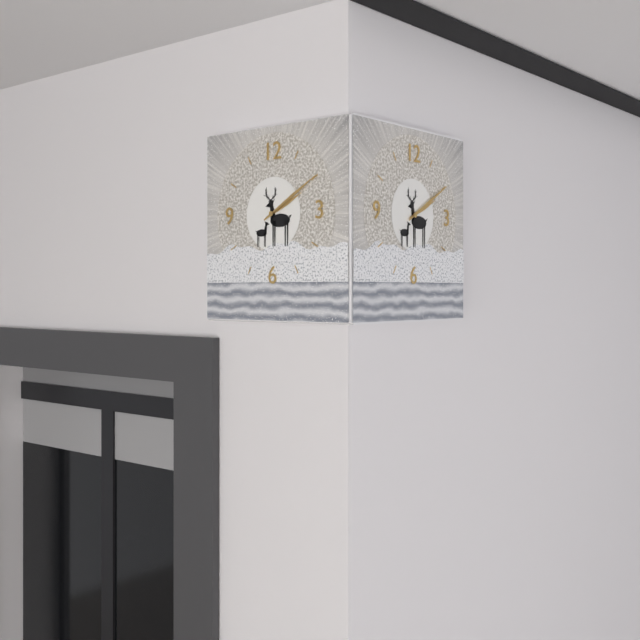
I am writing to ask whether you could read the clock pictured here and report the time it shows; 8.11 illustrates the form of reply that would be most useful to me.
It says 2.10
